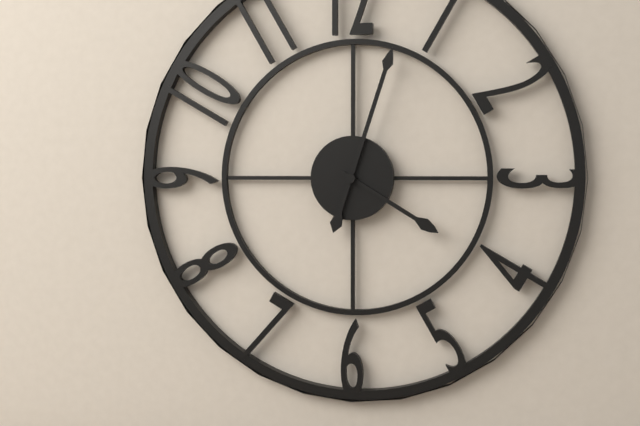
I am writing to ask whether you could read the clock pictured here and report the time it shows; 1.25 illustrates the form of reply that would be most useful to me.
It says 4.03
